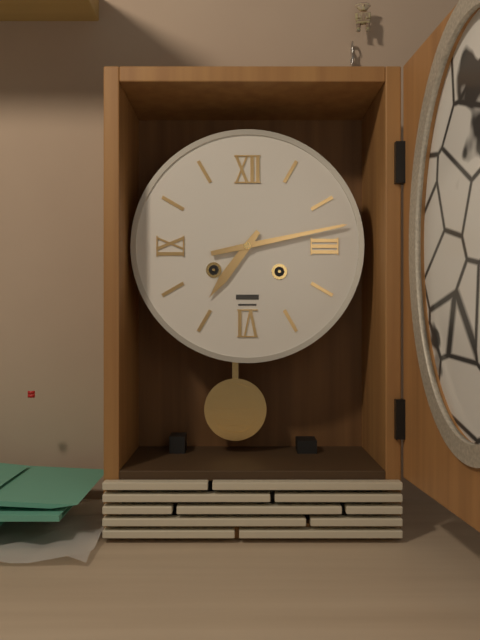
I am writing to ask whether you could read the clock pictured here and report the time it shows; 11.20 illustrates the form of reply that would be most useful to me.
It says 7.13
